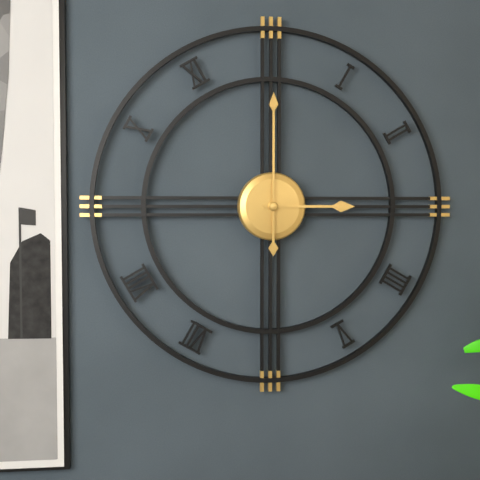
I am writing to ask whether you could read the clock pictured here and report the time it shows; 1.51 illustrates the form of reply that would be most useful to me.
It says 3.00
